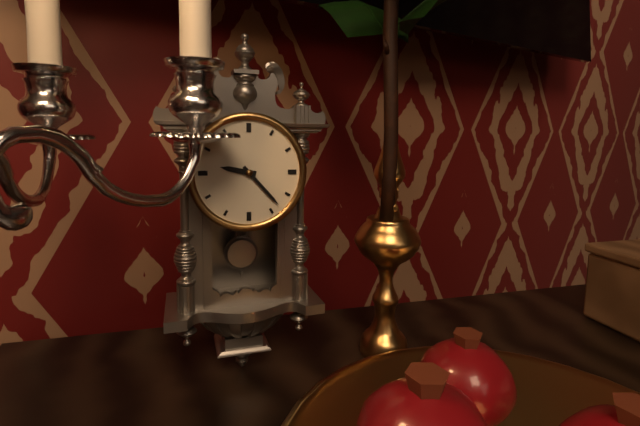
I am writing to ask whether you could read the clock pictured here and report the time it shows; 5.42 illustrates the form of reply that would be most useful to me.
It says 9.23
